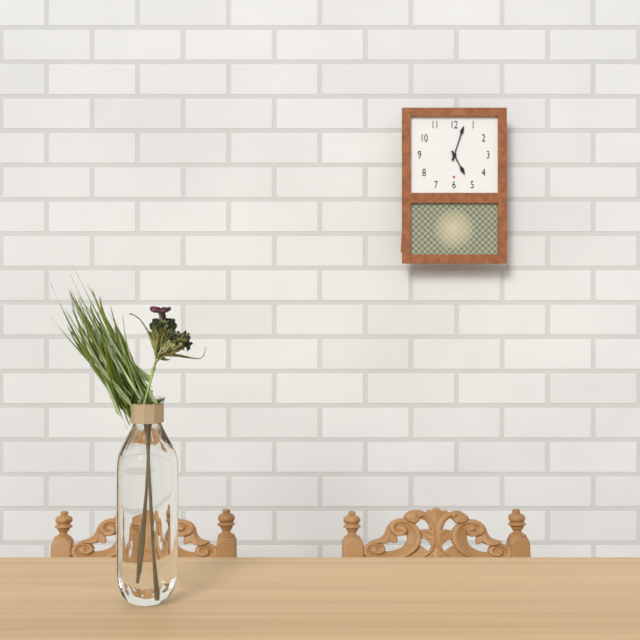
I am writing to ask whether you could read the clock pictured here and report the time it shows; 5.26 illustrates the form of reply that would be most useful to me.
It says 5.03
